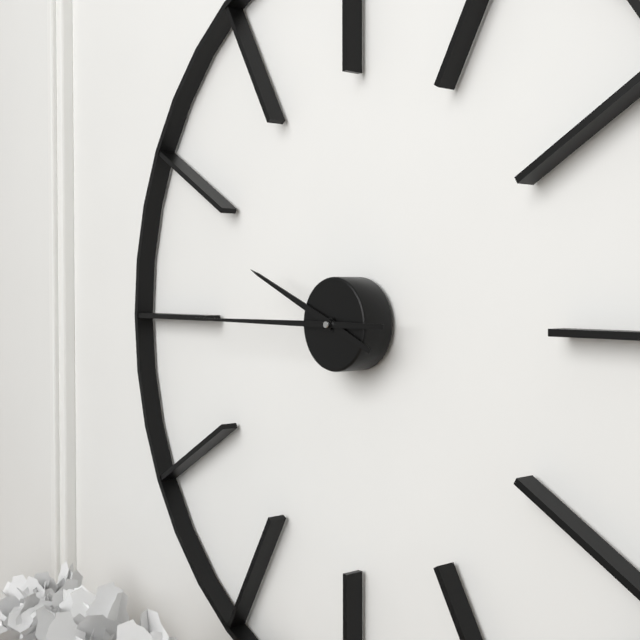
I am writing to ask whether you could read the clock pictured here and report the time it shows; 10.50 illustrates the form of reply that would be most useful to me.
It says 9.45
